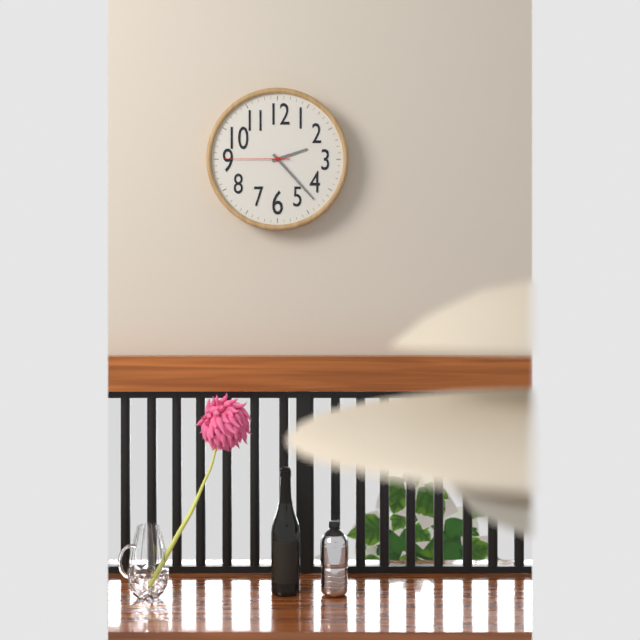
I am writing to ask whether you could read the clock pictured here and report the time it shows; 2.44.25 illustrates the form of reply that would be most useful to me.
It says 2.23.45
